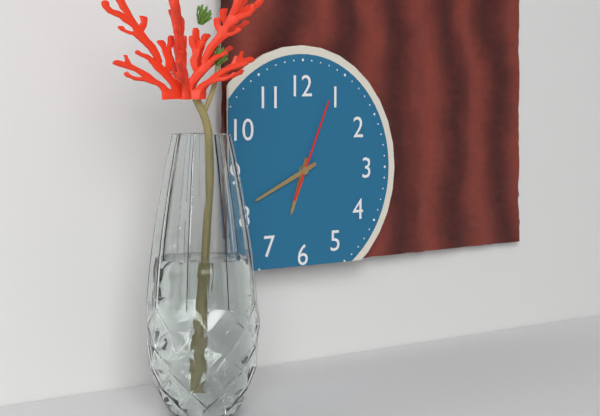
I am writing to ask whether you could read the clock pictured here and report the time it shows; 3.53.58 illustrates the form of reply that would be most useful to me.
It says 6.41.04
